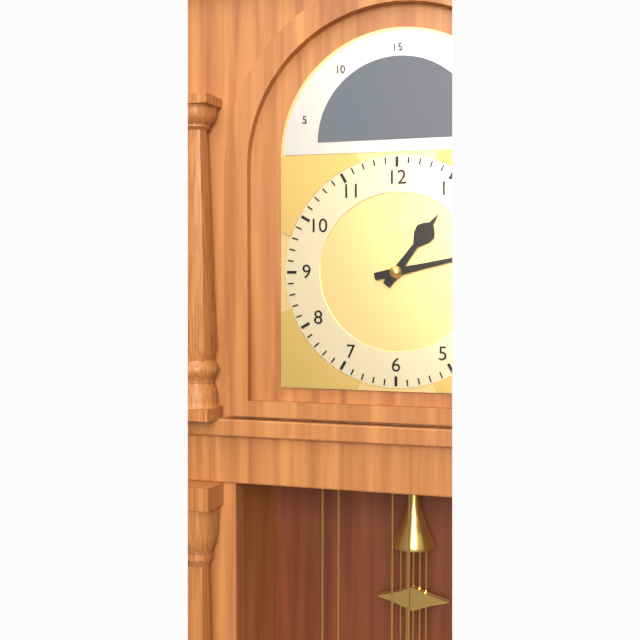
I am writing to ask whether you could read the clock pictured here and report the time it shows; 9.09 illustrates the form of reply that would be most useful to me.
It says 1.13
